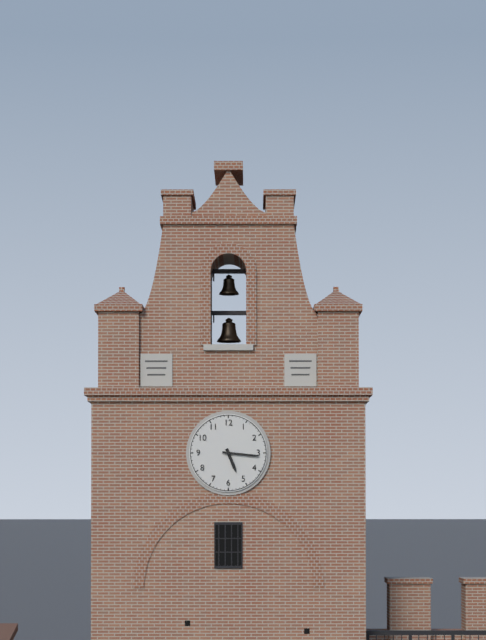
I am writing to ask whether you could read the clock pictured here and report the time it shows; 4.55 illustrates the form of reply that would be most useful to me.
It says 5.16
